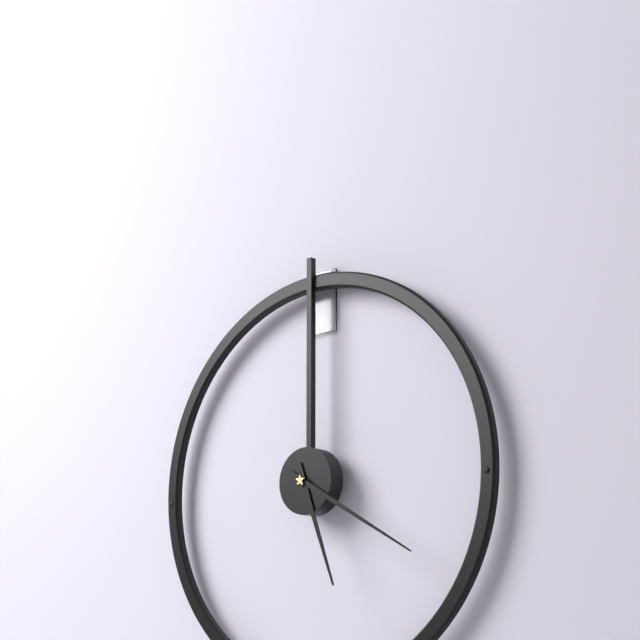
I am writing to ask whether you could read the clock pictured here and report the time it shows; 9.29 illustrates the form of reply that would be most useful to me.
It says 5.20
